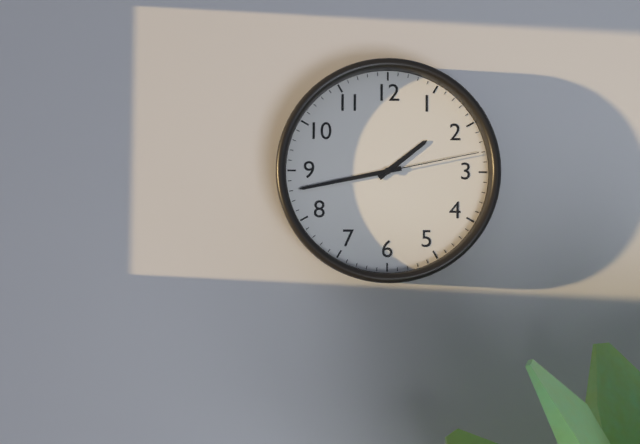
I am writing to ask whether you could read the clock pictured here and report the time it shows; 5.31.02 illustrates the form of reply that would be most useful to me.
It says 1.43.13
